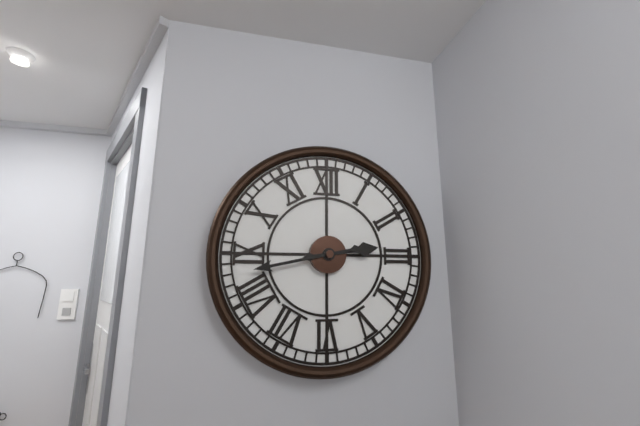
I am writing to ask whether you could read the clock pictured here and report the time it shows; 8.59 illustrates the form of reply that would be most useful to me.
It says 2.43
